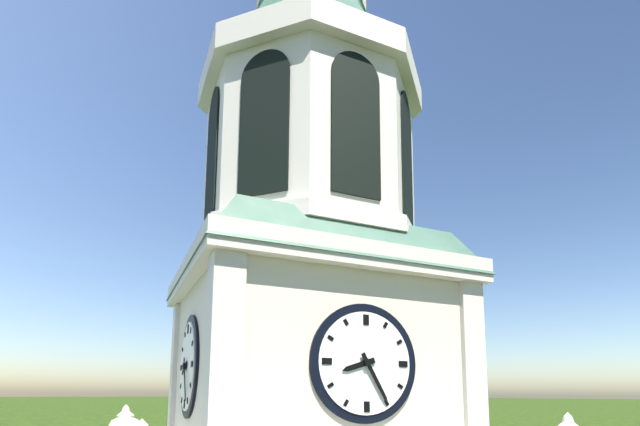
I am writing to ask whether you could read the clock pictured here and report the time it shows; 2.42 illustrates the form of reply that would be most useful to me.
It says 8.25
